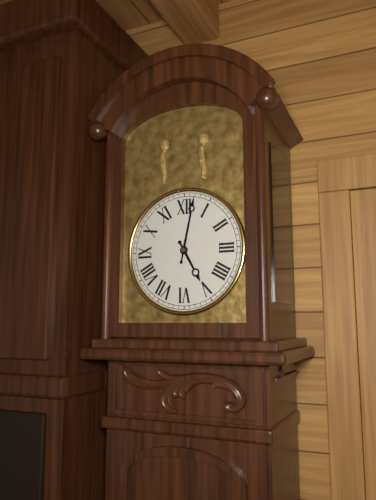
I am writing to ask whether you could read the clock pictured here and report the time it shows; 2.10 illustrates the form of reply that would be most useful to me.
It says 5.02
